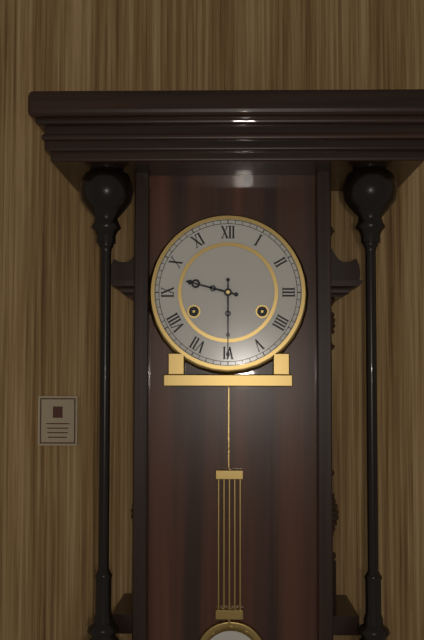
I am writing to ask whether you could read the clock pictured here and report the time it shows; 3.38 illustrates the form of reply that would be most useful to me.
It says 9.30
